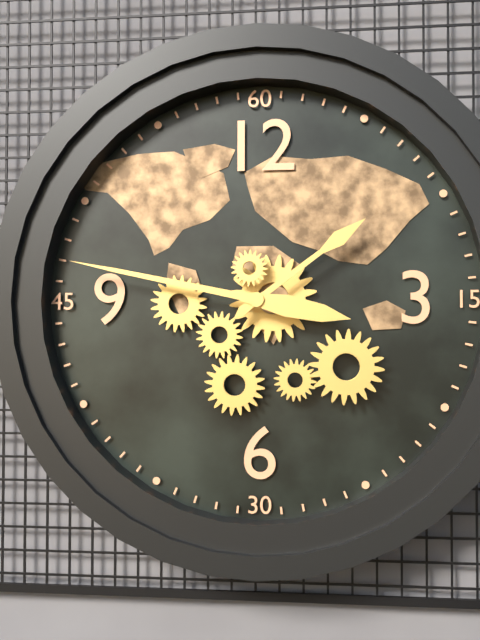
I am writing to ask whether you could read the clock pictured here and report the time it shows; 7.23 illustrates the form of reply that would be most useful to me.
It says 1.47
